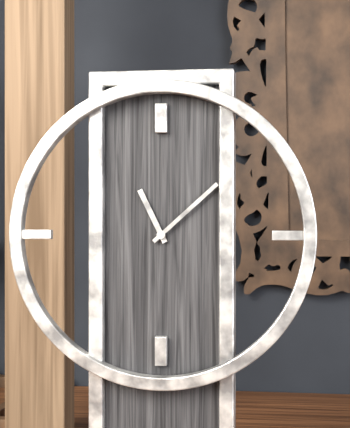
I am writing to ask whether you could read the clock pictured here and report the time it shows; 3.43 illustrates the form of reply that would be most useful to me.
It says 11.08
